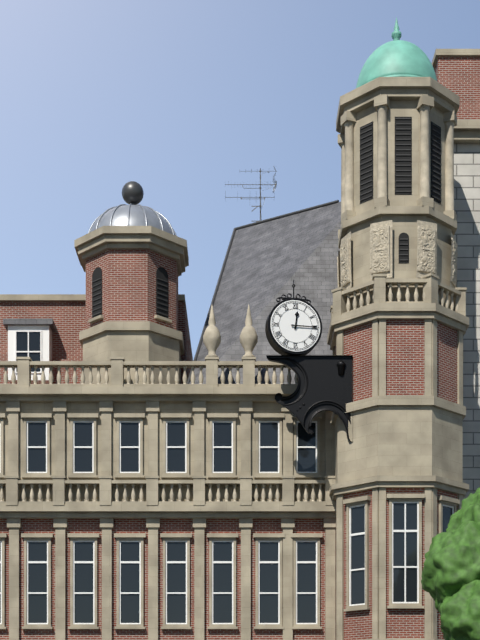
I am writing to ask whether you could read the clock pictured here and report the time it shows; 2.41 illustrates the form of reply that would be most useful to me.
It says 12.15
